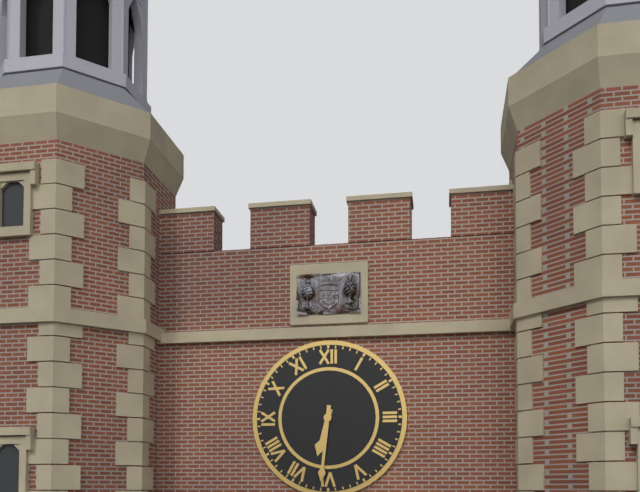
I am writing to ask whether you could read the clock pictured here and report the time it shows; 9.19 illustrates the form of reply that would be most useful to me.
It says 6.31
